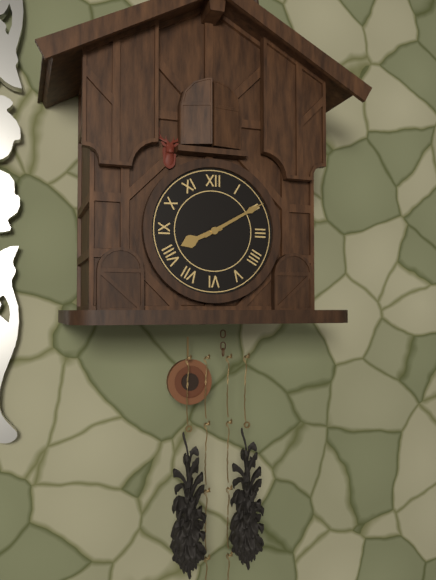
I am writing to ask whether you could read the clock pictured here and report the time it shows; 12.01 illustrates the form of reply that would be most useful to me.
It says 8.10
